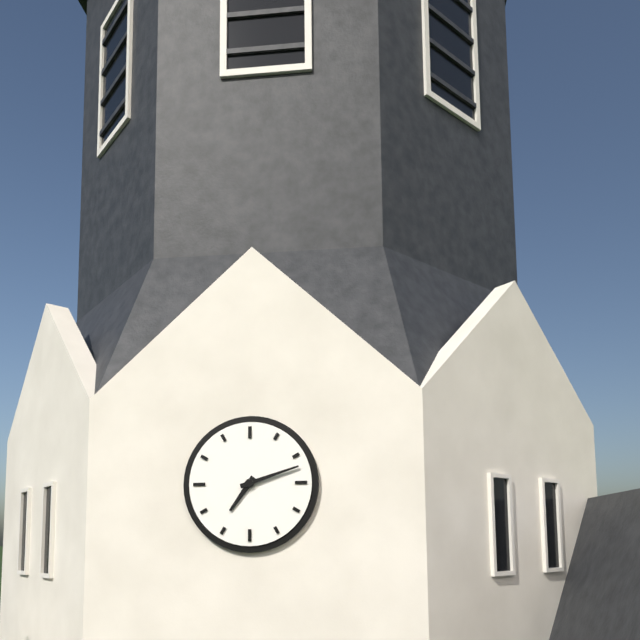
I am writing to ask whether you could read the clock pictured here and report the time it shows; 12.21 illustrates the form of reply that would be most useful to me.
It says 7.12
